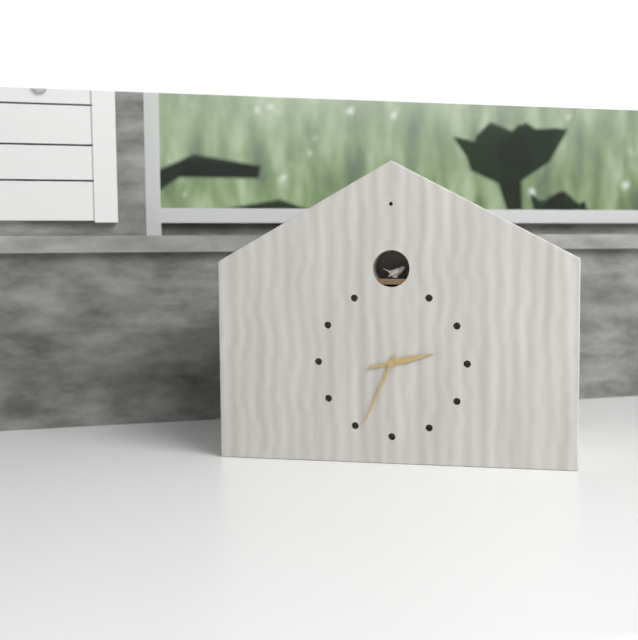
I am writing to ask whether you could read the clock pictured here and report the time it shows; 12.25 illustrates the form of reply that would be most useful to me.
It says 2.34
